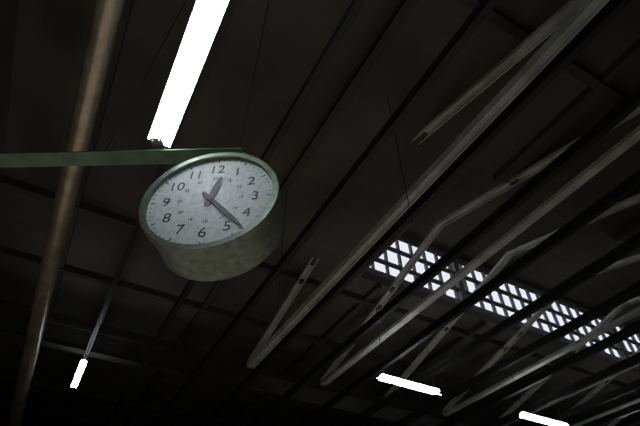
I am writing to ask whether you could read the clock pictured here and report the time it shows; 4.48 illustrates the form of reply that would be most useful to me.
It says 12.23
